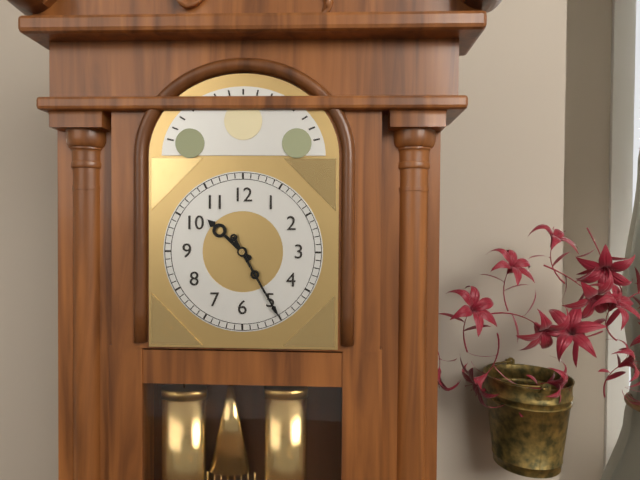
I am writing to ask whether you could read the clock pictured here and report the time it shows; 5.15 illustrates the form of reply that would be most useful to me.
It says 10.25
